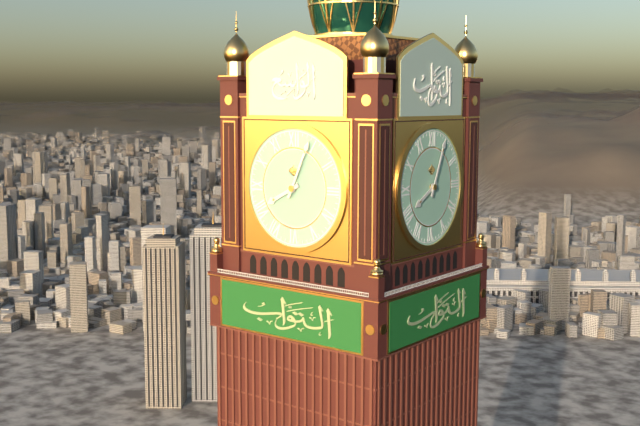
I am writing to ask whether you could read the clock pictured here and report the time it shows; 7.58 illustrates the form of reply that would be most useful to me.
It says 8.04
